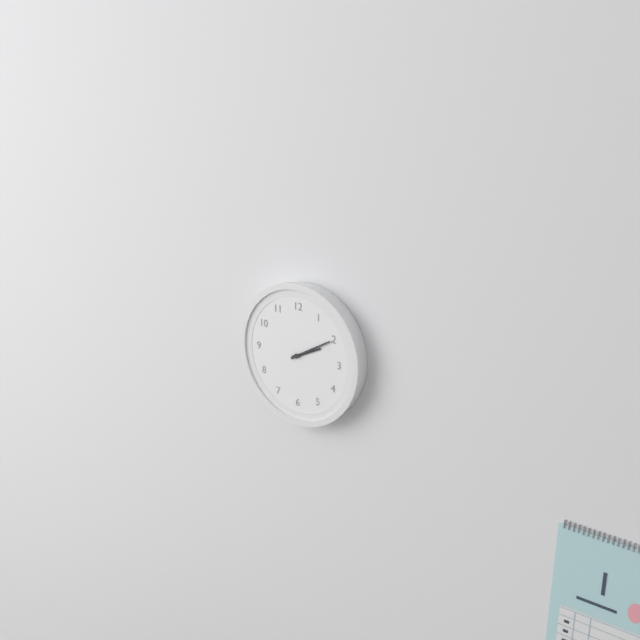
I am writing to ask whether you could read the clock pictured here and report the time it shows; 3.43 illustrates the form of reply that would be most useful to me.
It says 2.10
